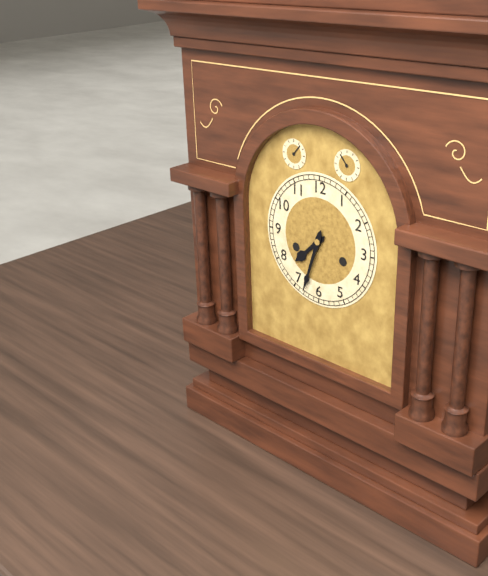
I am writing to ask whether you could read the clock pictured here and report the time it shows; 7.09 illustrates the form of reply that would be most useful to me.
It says 7.33
